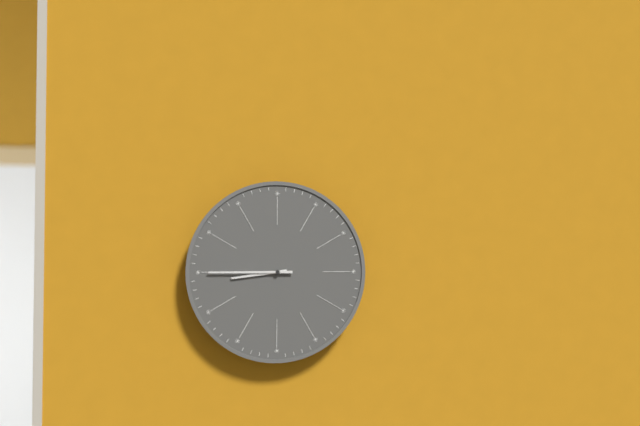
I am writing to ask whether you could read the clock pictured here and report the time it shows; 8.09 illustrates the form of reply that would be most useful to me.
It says 8.45
